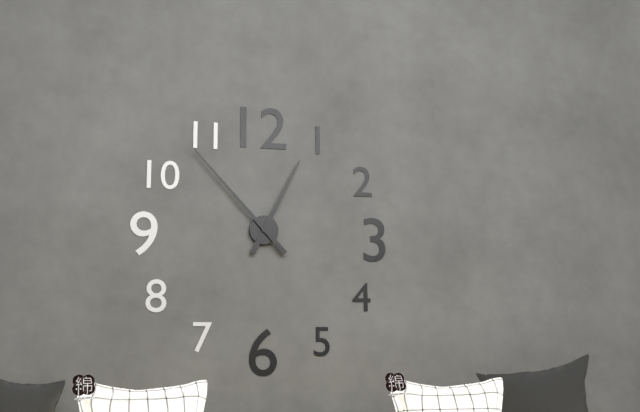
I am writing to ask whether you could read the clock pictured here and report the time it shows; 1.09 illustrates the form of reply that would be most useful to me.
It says 12.53
